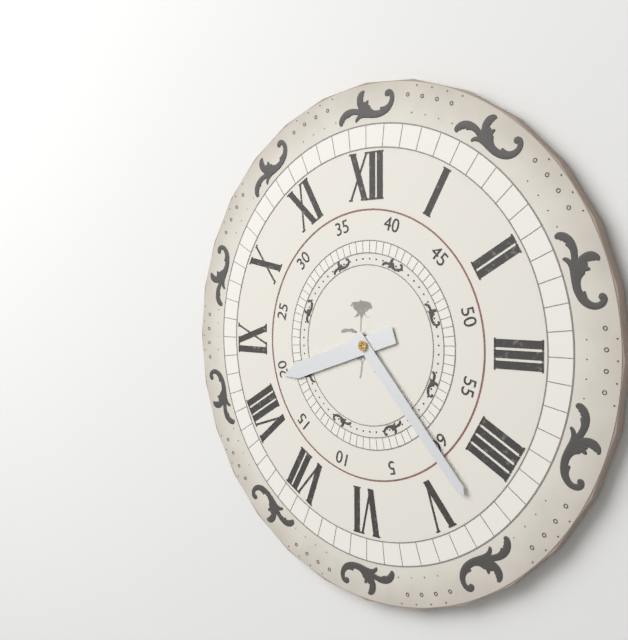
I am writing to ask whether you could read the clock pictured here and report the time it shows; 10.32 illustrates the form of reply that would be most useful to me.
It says 8.23
